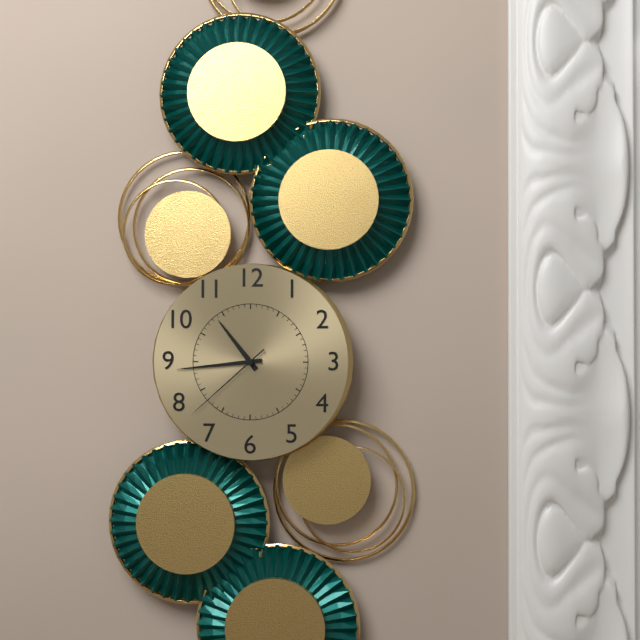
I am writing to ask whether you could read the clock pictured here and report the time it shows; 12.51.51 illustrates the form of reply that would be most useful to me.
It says 10.44.38
